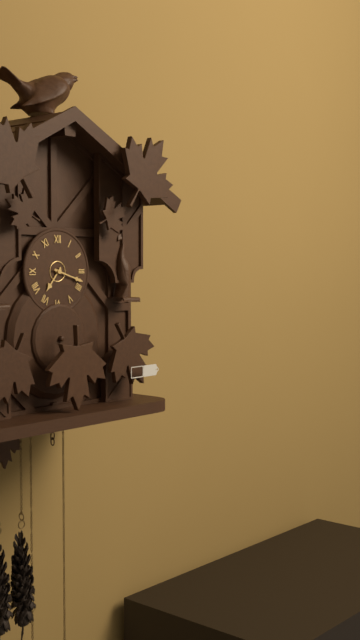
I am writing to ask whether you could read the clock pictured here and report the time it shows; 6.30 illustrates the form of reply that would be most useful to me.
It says 7.18
